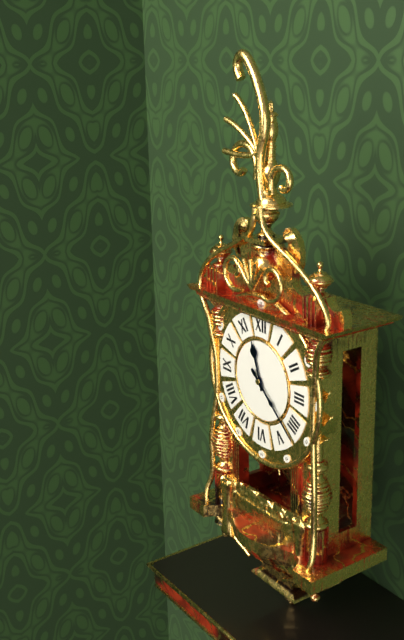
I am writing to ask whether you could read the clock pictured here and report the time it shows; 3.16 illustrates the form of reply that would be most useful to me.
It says 11.22
